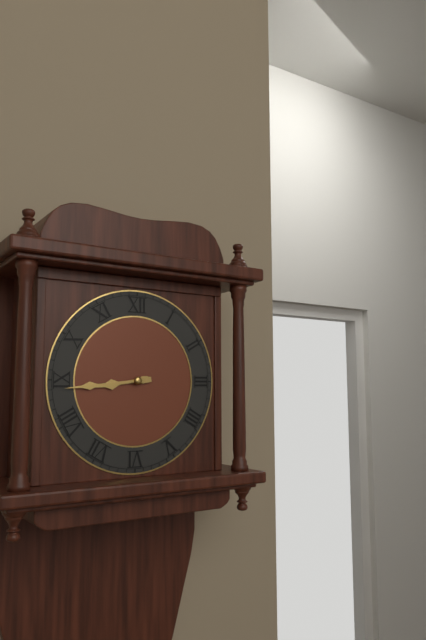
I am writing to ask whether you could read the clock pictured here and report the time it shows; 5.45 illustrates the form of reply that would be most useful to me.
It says 8.44
